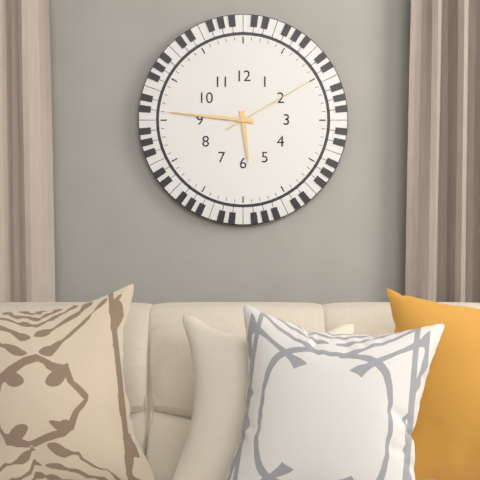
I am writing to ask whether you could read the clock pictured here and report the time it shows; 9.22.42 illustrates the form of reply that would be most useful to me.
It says 5.46.10
